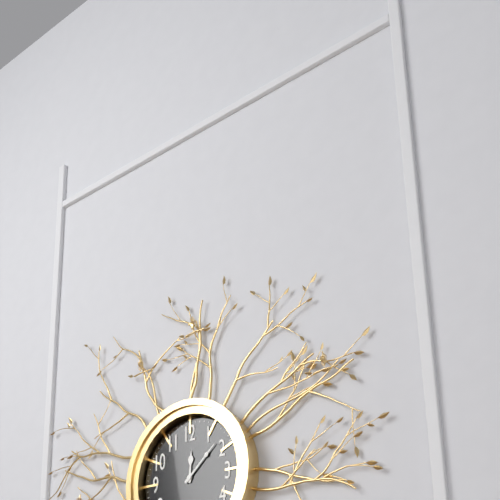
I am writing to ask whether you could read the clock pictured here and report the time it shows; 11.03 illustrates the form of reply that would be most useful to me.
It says 12.08
